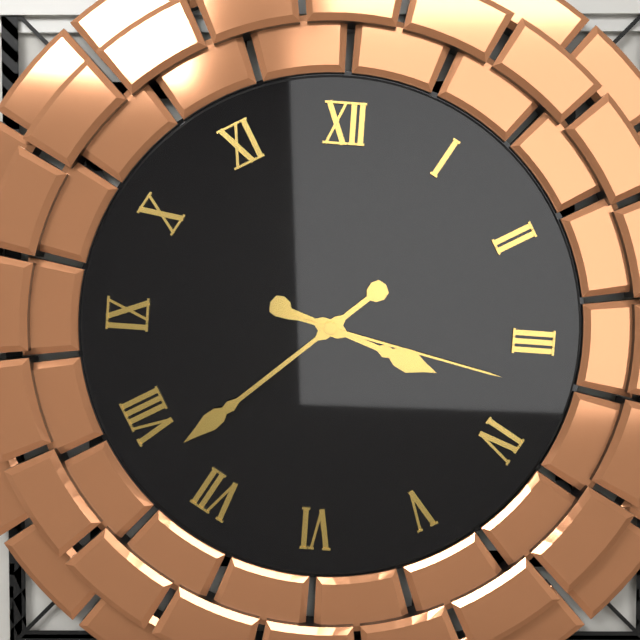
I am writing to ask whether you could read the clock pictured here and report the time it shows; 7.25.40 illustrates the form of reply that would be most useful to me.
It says 3.38.17
